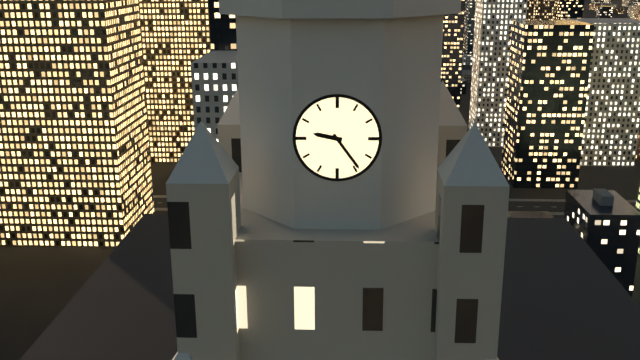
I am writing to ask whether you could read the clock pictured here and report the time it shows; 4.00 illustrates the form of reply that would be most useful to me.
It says 9.24
